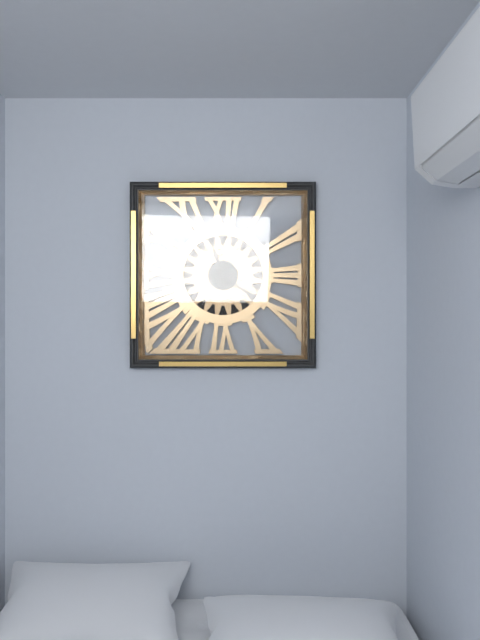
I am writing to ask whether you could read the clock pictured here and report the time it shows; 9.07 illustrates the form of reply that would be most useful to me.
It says 11.21
